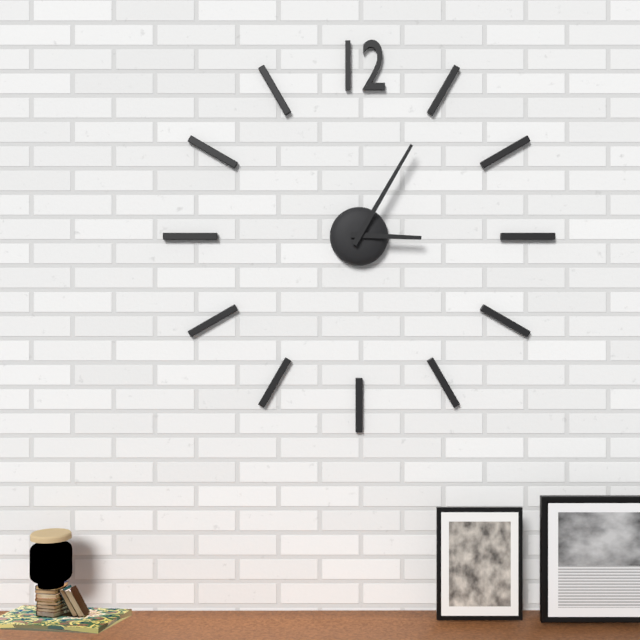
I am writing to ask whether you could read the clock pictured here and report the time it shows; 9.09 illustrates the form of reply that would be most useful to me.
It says 3.05
